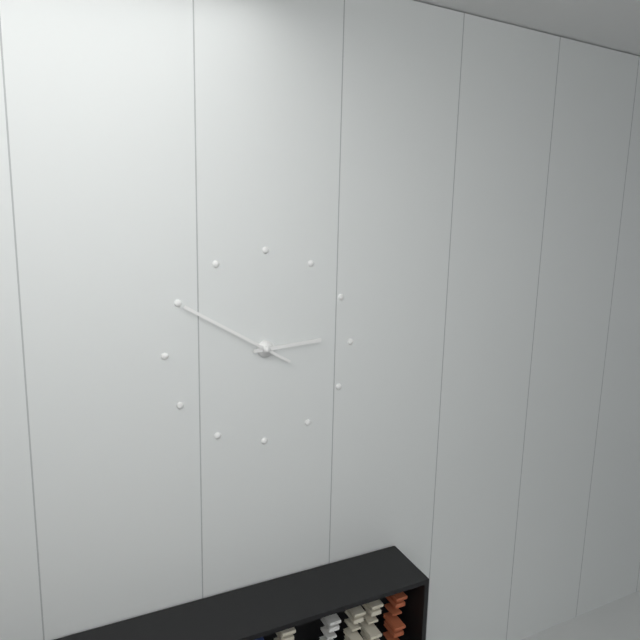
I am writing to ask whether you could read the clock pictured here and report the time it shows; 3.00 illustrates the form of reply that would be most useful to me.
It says 2.50
